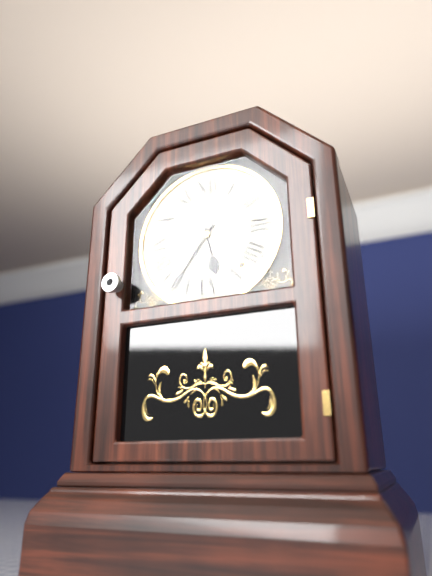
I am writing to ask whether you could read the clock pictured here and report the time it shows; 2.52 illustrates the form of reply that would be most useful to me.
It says 5.36
